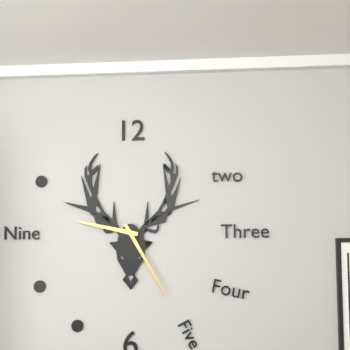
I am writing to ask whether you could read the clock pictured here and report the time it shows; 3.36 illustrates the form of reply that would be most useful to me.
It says 9.25
